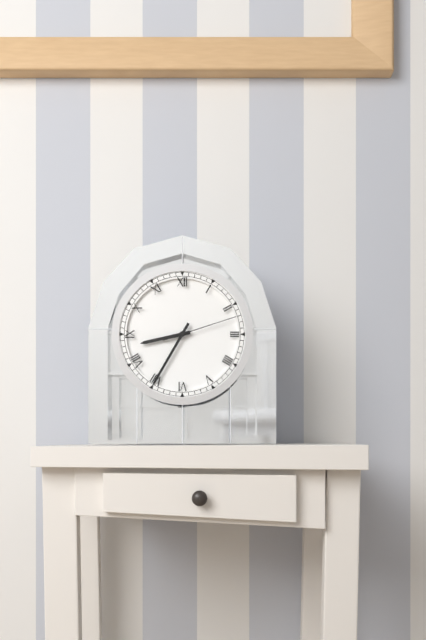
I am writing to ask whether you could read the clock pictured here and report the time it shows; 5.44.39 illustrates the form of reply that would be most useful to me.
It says 8.35.12
